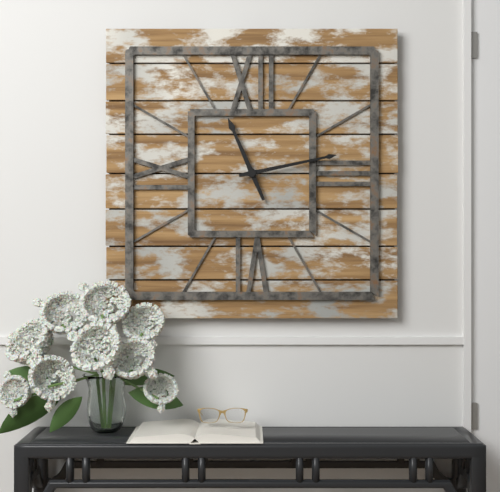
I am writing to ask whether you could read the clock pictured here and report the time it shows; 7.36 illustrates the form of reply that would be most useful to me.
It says 11.13
